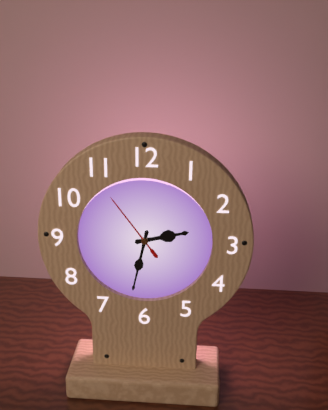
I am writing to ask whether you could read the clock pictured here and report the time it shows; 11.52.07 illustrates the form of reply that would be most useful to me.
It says 2.32.54
